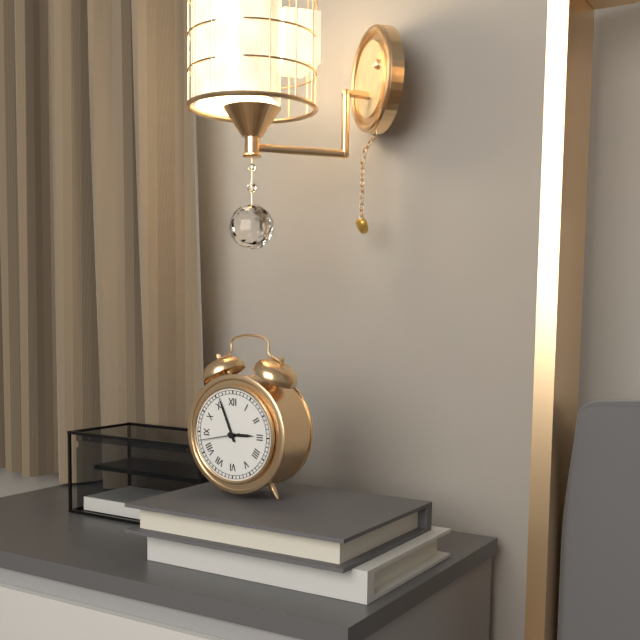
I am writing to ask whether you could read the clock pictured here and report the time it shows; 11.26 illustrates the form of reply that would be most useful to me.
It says 2.56
